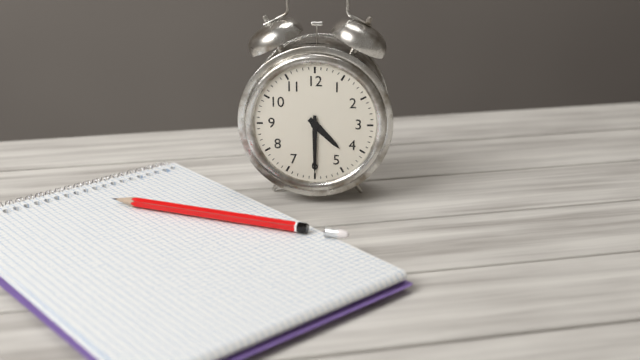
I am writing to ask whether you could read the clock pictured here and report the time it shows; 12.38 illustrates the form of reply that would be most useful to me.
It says 4.30
